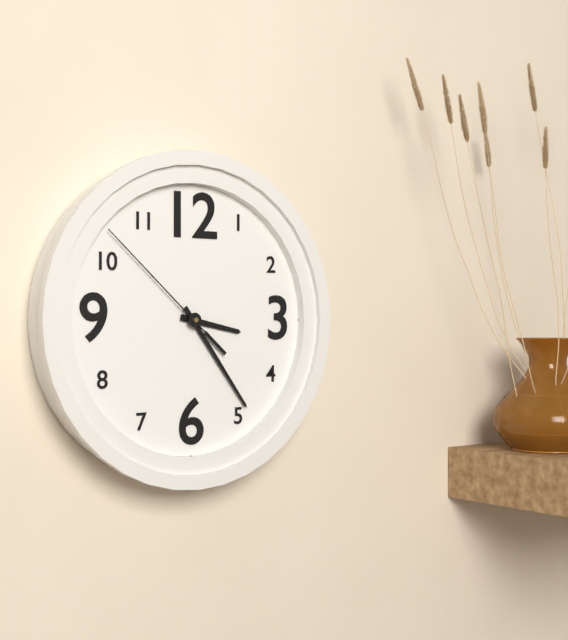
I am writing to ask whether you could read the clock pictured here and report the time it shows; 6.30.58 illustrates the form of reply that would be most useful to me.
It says 3.24.52
